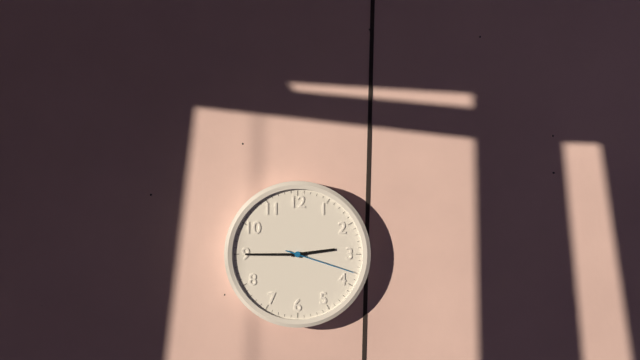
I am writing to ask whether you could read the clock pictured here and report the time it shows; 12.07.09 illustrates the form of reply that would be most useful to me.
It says 2.45.18
